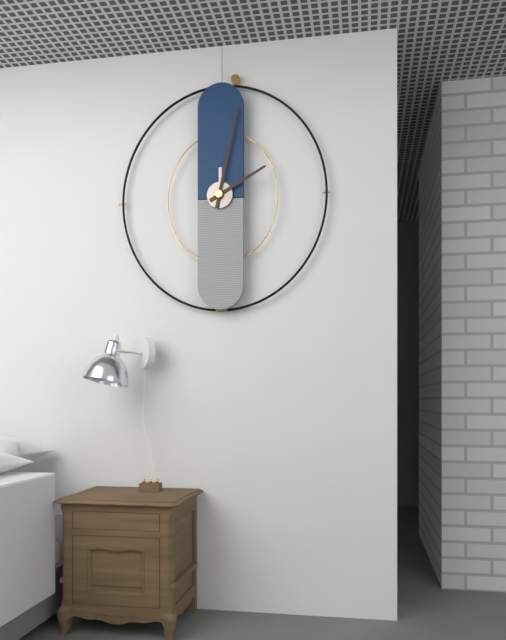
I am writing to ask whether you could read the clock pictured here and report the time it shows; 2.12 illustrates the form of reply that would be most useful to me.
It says 2.02
